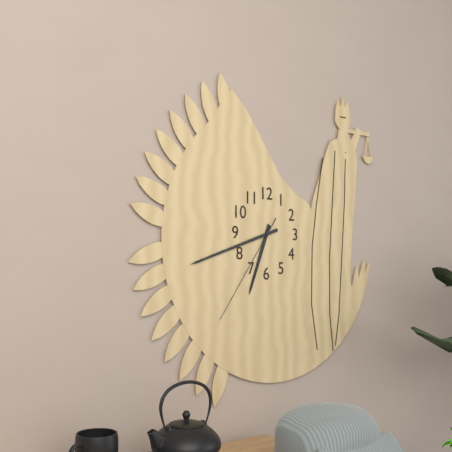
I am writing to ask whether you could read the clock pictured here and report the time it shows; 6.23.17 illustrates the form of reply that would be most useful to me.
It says 6.42.36
